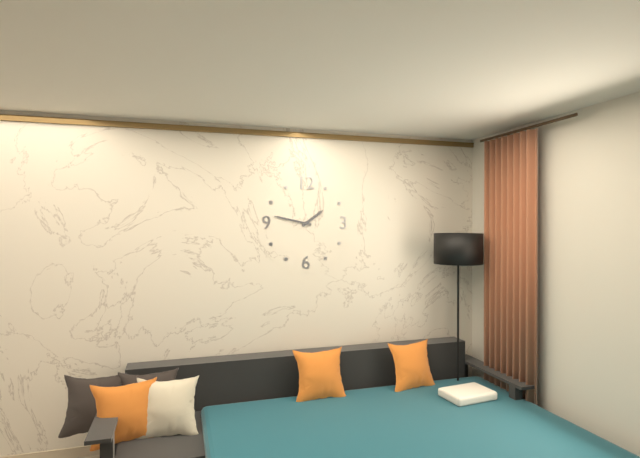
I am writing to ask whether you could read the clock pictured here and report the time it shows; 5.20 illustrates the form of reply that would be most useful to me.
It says 1.47
